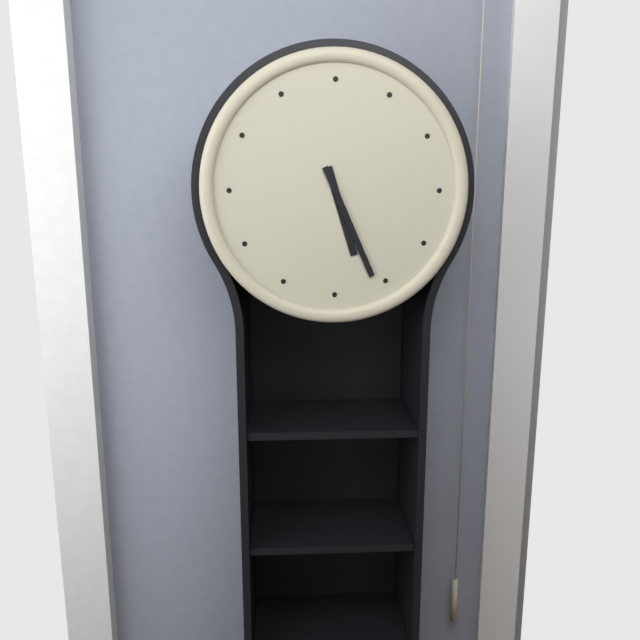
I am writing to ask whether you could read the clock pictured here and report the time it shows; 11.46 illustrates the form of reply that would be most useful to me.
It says 5.26
